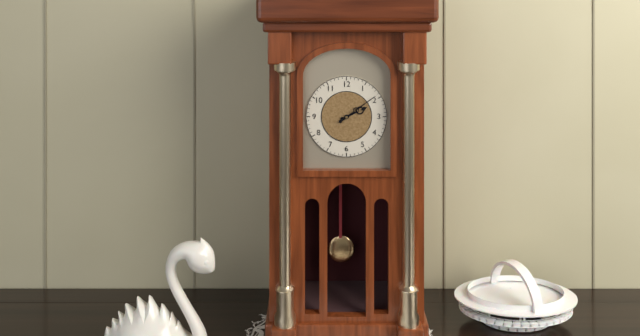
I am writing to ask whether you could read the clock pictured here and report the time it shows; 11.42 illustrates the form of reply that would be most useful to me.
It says 2.09
